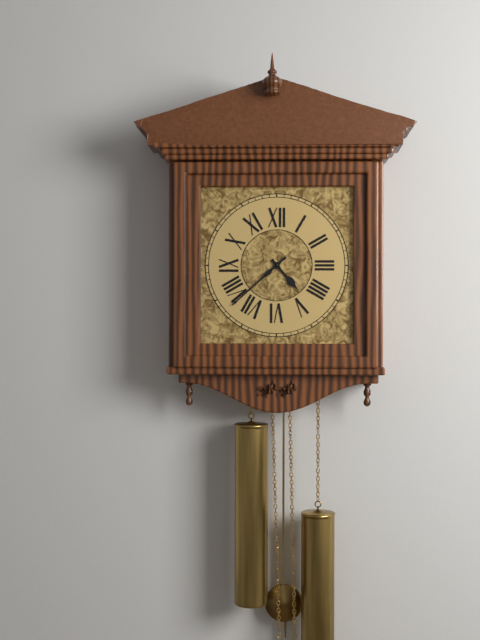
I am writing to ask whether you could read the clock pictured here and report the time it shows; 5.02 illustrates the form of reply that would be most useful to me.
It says 4.38
